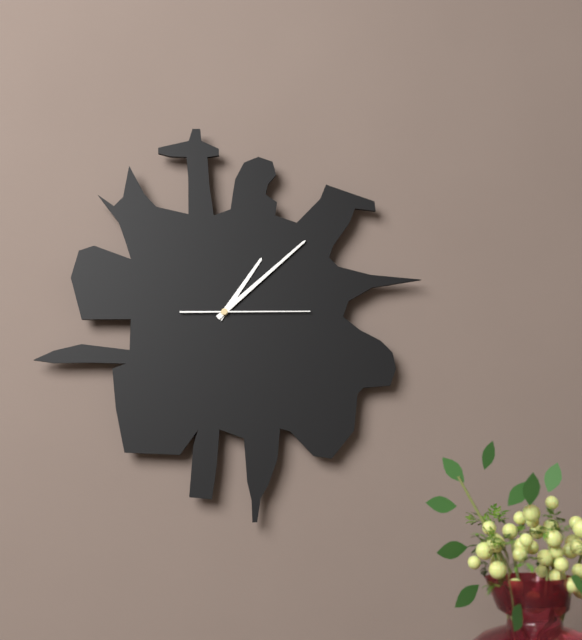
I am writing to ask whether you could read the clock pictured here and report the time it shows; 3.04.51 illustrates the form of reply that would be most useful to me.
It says 1.08.15
